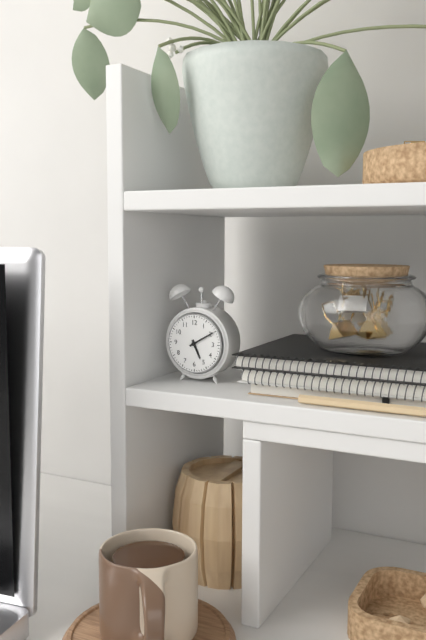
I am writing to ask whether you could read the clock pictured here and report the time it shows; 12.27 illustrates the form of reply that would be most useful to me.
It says 5.10
